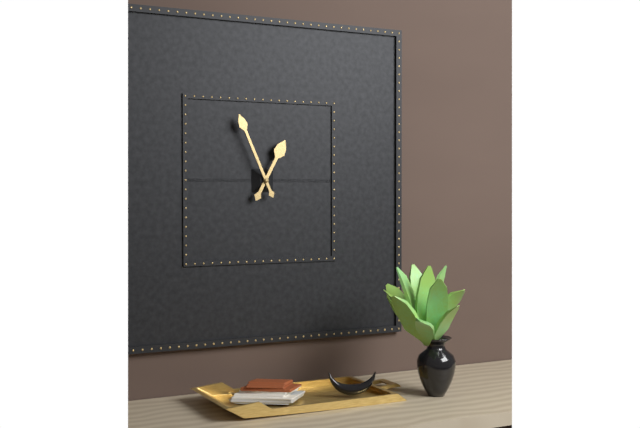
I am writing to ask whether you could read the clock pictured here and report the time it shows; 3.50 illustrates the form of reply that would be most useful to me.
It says 12.56
